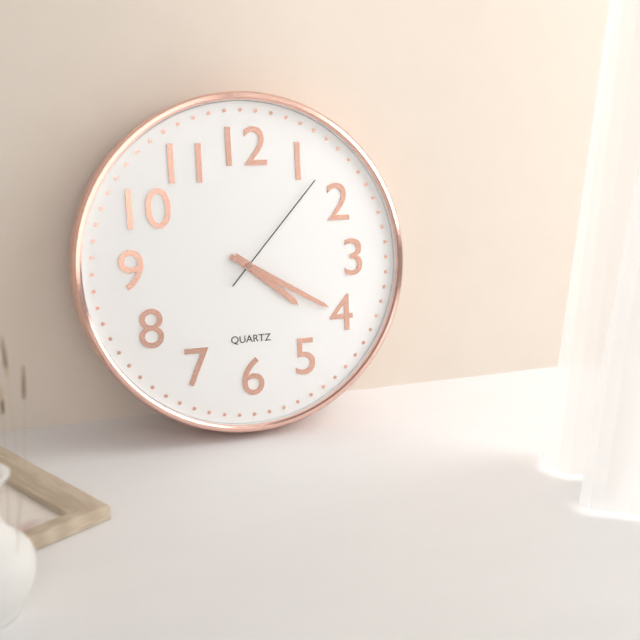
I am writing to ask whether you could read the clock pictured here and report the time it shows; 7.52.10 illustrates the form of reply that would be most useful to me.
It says 4.20.07
